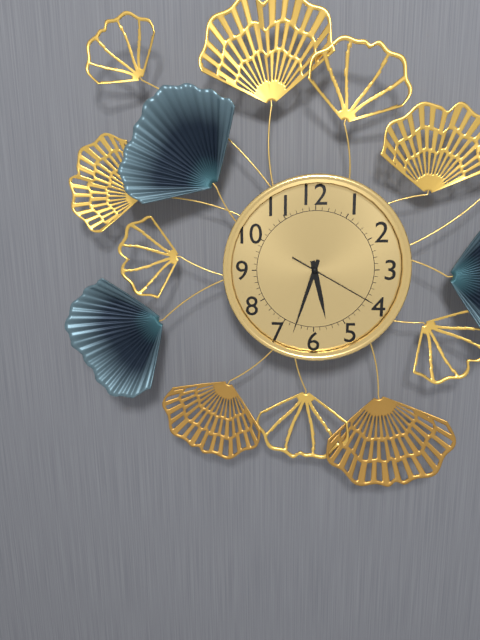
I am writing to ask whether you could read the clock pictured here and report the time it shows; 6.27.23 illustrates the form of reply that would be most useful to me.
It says 5.33.20
